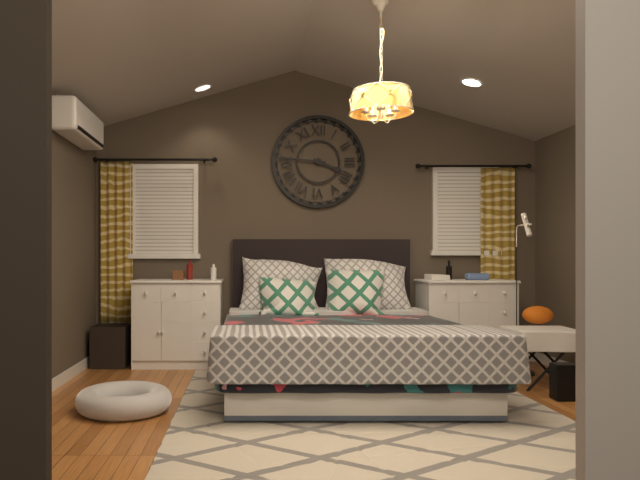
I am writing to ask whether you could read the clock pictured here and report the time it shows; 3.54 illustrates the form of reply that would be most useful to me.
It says 3.46
